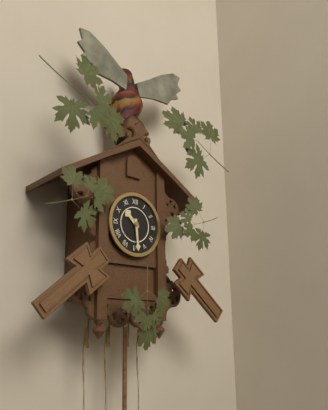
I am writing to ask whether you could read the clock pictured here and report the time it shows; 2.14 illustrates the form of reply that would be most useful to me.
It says 10.29
